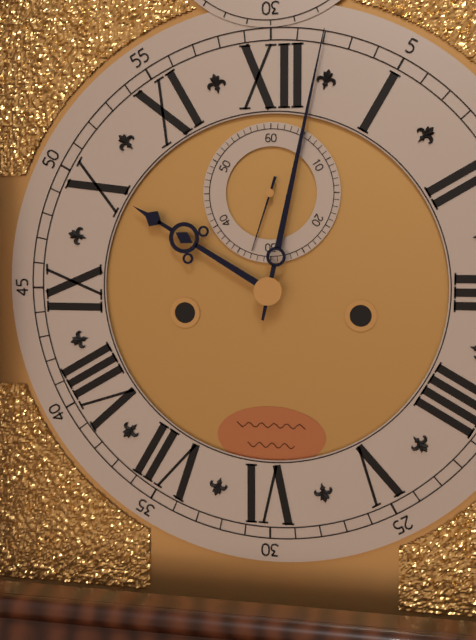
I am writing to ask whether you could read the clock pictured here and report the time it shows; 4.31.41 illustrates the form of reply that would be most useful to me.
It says 10.02.33
